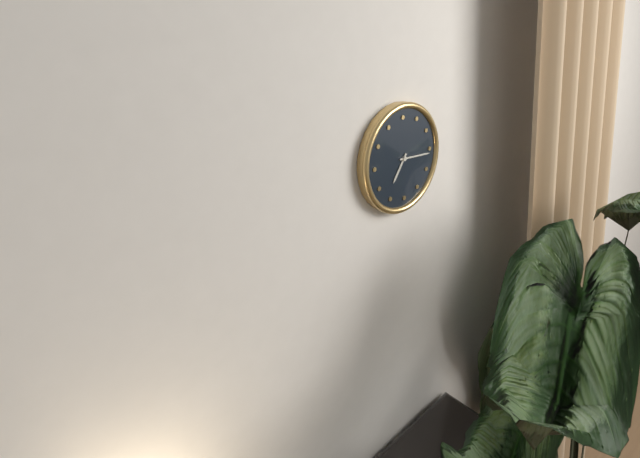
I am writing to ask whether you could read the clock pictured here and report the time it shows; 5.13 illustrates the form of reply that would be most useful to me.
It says 7.16
